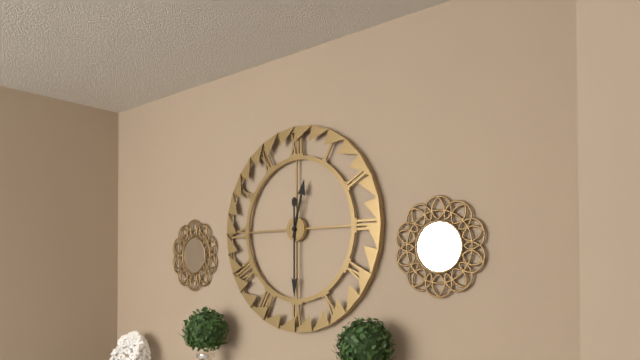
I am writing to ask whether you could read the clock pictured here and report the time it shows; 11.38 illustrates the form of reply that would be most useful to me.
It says 12.30
